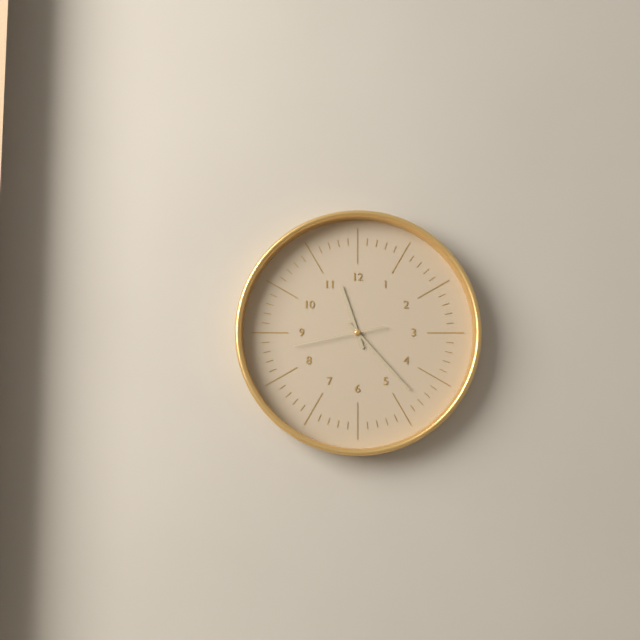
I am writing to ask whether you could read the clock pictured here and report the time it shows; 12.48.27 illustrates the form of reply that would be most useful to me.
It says 11.23.43
